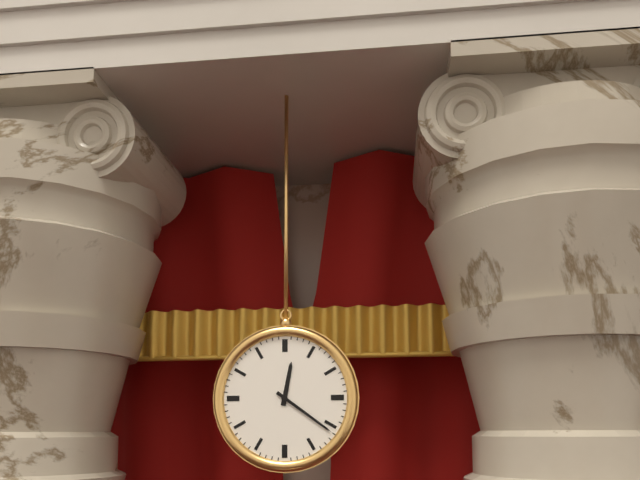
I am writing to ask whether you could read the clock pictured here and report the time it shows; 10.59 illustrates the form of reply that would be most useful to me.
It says 12.21
